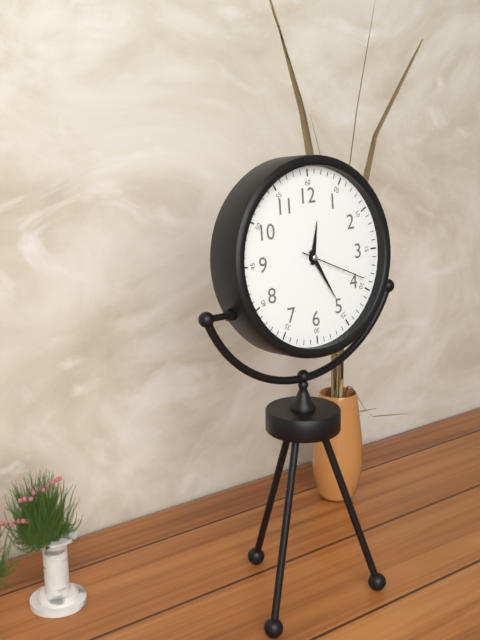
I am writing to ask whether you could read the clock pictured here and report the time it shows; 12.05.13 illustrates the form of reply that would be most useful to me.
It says 12.25.19
